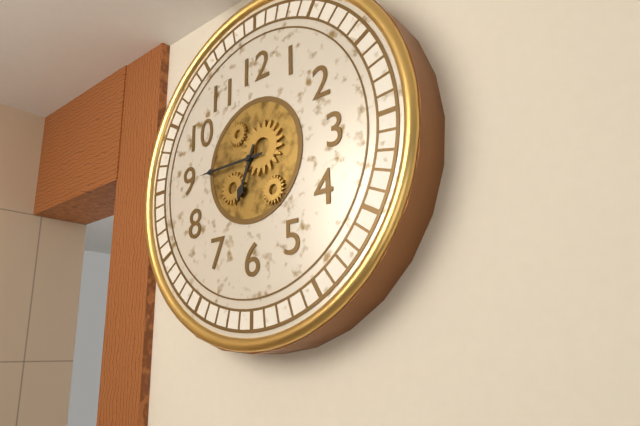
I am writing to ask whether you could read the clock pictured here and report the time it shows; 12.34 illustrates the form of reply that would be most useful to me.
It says 6.45
